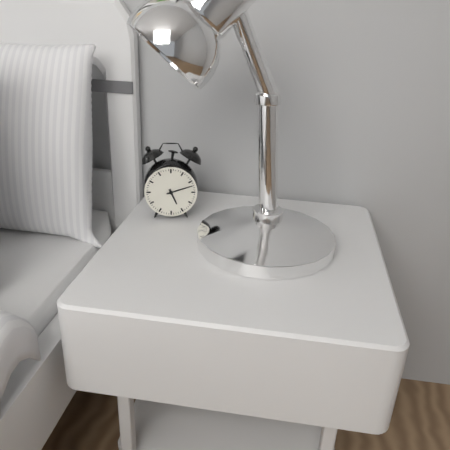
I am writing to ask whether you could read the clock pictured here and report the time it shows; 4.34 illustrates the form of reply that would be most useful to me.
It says 5.12
